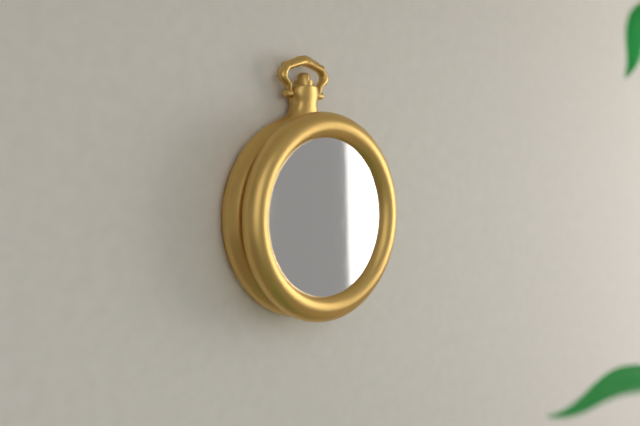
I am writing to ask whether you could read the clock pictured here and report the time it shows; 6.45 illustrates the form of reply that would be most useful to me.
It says 9.57
